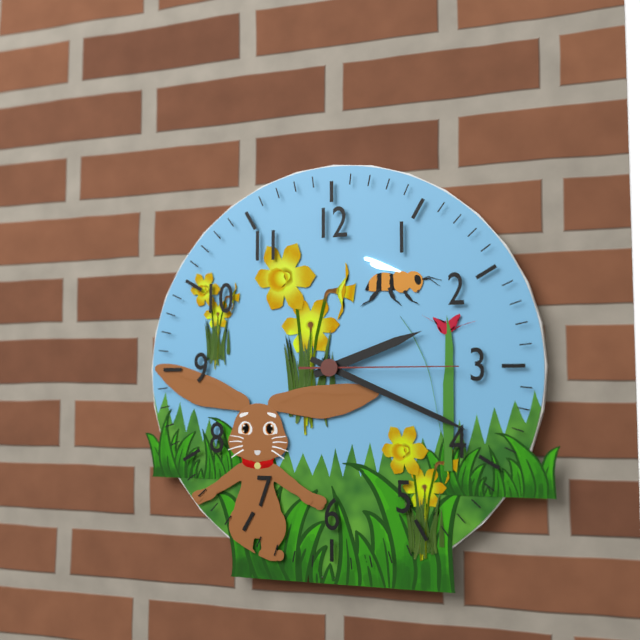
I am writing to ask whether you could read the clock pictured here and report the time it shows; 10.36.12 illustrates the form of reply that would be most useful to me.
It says 2.19.15
